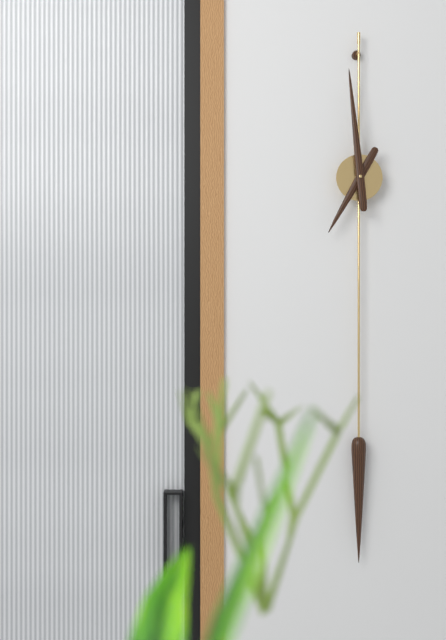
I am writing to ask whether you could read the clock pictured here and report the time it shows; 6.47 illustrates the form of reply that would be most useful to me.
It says 6.59
